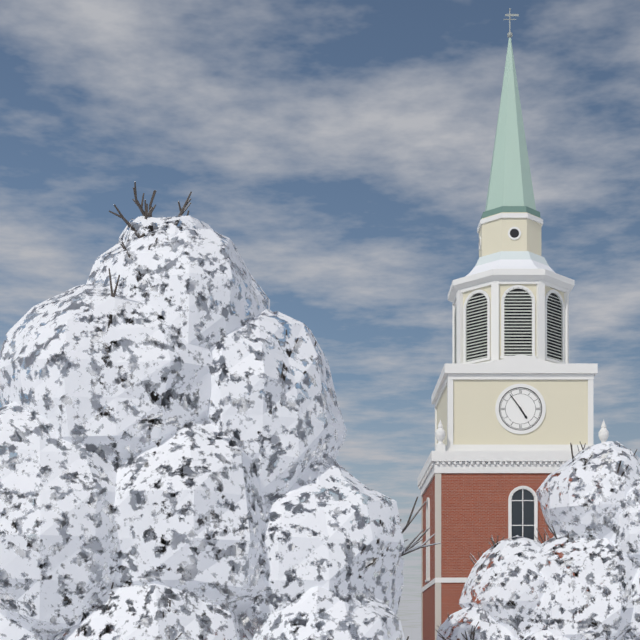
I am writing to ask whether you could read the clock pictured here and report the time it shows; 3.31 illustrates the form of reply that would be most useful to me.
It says 4.54
